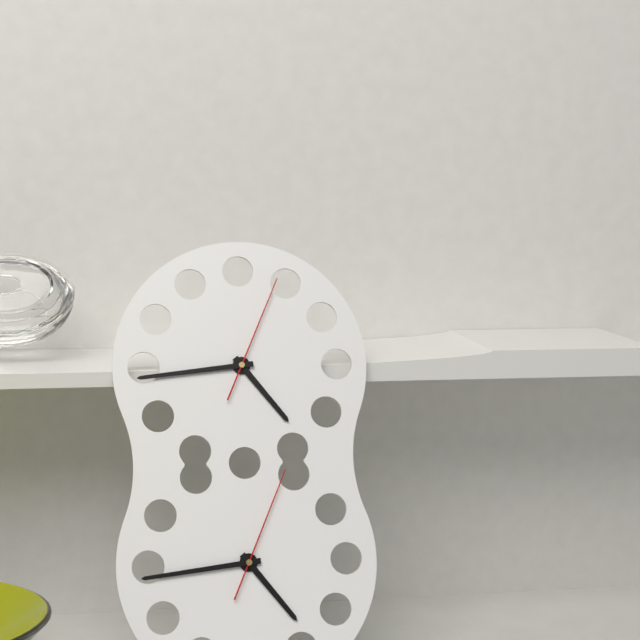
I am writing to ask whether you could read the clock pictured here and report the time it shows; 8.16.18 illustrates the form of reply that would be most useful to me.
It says 4.44.04
